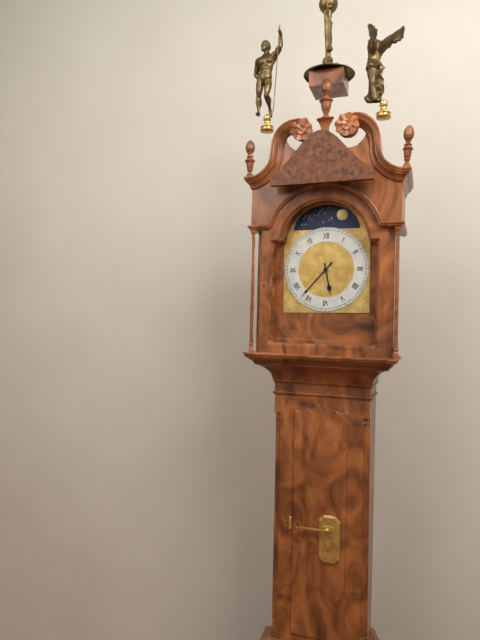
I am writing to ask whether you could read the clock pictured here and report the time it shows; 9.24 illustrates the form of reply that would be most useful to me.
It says 5.37
